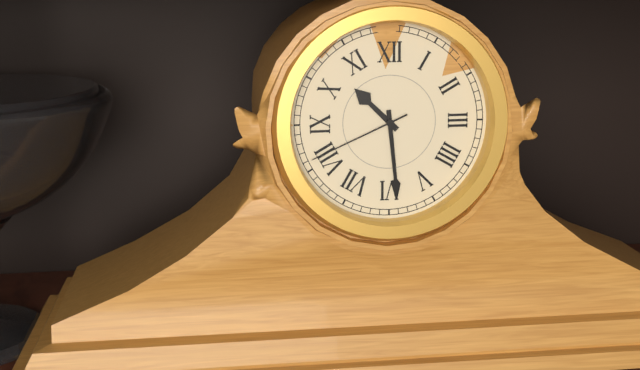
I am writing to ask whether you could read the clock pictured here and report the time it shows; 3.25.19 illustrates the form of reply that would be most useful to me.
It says 10.29.41
